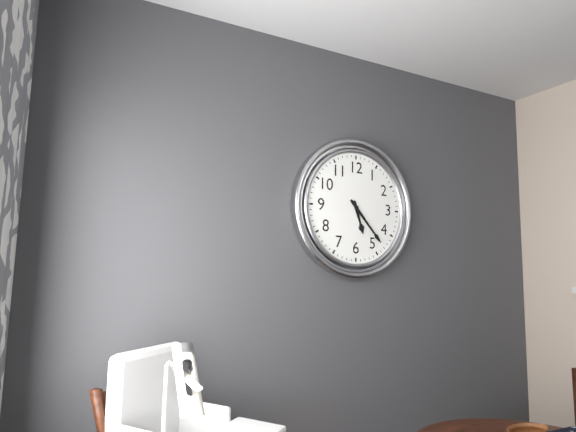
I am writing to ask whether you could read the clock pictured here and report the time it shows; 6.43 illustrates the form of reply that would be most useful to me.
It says 5.23
